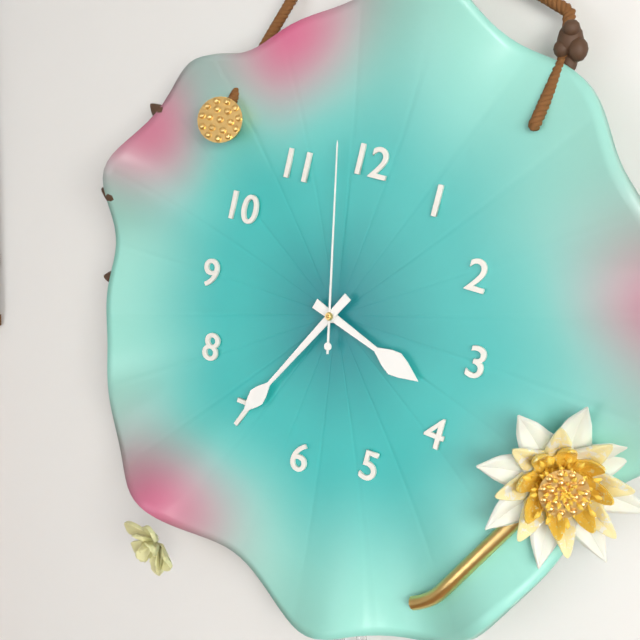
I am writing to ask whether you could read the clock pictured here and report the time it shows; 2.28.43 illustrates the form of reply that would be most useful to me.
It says 3.35.58
